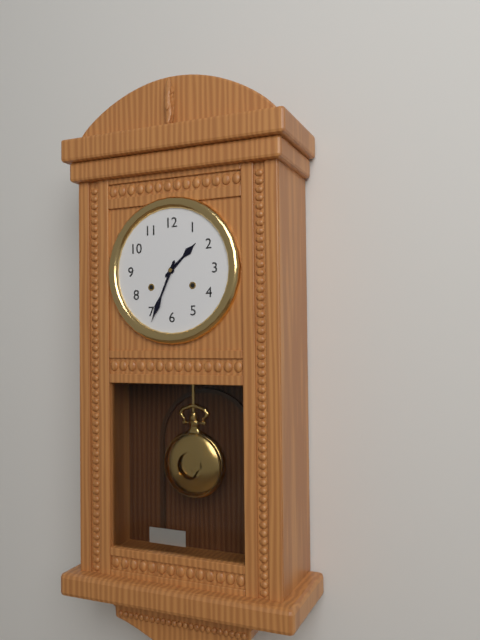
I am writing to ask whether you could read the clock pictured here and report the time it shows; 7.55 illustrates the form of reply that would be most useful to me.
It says 1.34
